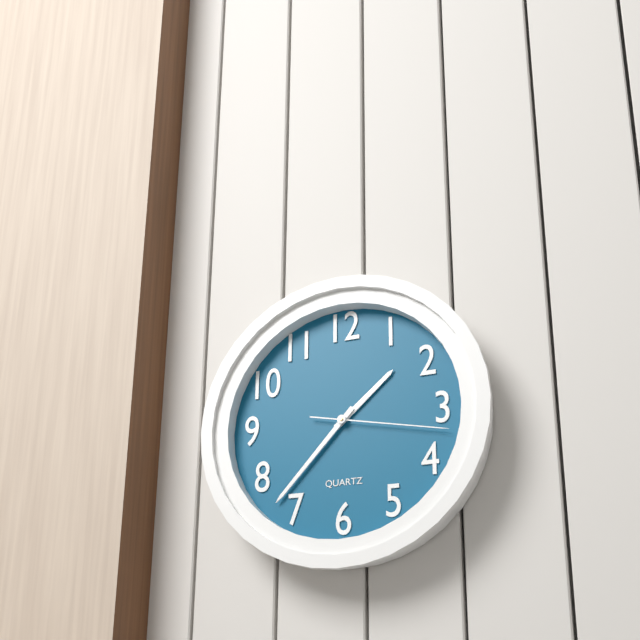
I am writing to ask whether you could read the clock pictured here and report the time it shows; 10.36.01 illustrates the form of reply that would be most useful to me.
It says 1.37.17
